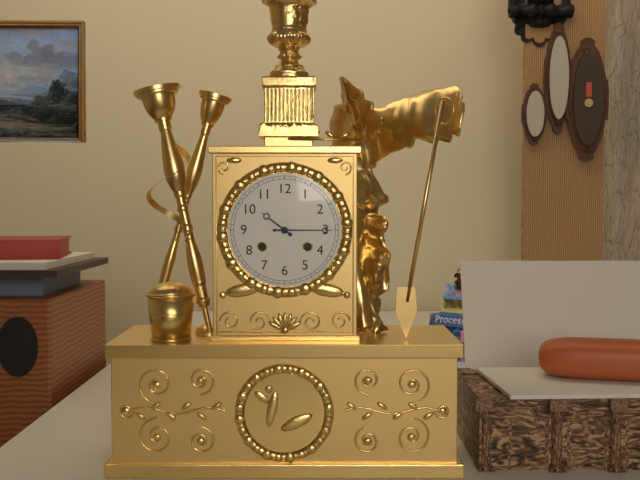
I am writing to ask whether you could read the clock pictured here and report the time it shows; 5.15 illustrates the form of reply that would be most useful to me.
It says 10.15
